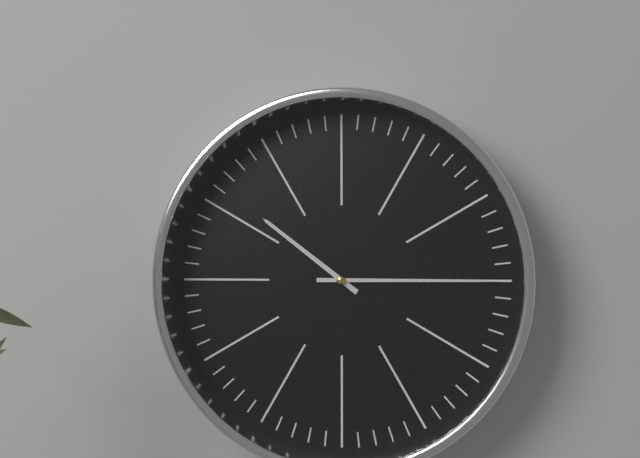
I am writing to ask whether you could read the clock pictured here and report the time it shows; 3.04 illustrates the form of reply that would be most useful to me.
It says 10.15
